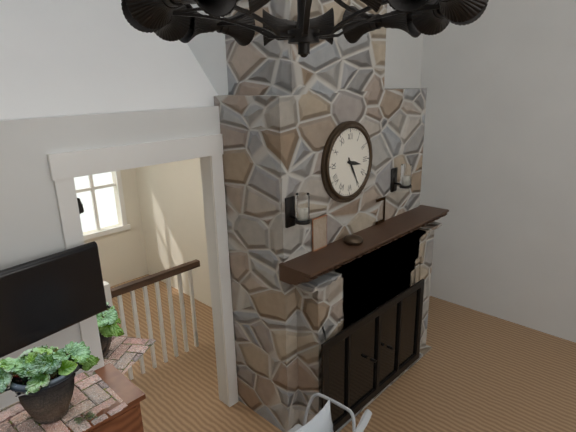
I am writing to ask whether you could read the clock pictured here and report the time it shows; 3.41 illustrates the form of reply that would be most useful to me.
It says 3.25
